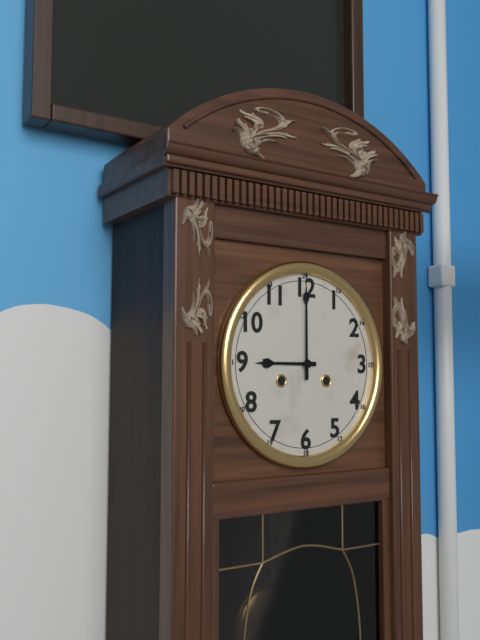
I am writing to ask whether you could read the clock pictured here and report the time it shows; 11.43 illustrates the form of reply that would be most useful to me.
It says 9.00
